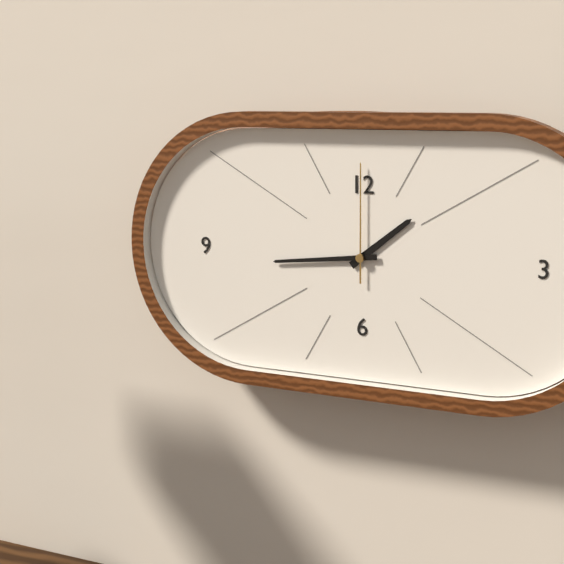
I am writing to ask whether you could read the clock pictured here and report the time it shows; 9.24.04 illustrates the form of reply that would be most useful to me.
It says 1.44.00
